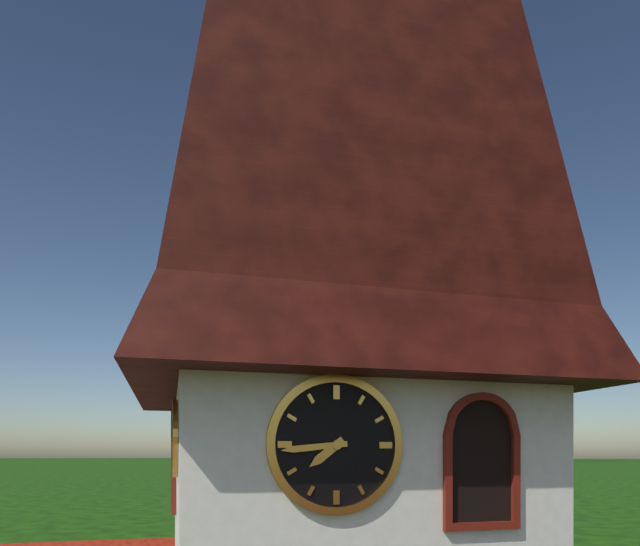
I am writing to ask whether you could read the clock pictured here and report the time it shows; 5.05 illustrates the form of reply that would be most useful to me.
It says 7.44
